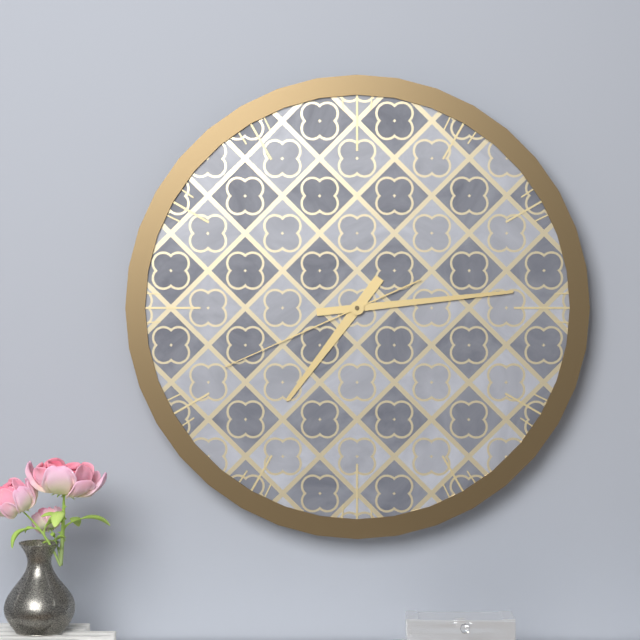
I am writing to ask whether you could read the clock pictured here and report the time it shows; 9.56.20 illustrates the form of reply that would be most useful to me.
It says 7.14.41
